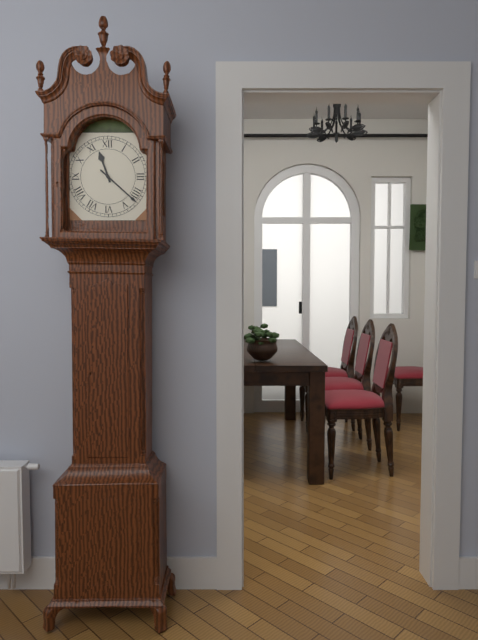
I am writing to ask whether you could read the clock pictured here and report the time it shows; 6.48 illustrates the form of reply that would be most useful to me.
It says 11.22
